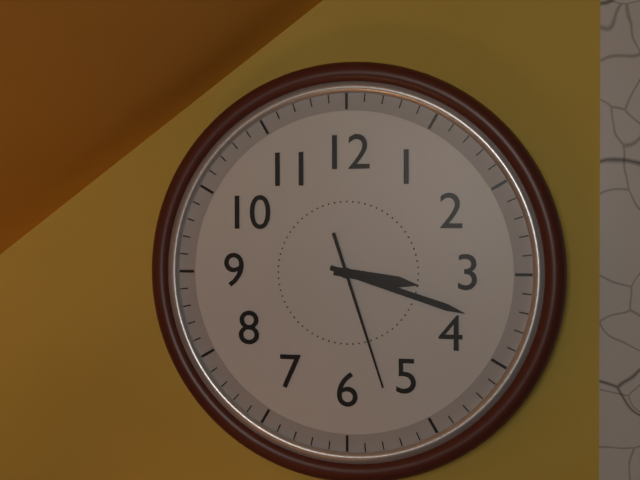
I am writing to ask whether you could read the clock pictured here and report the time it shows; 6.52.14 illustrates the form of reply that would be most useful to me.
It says 3.18.27
